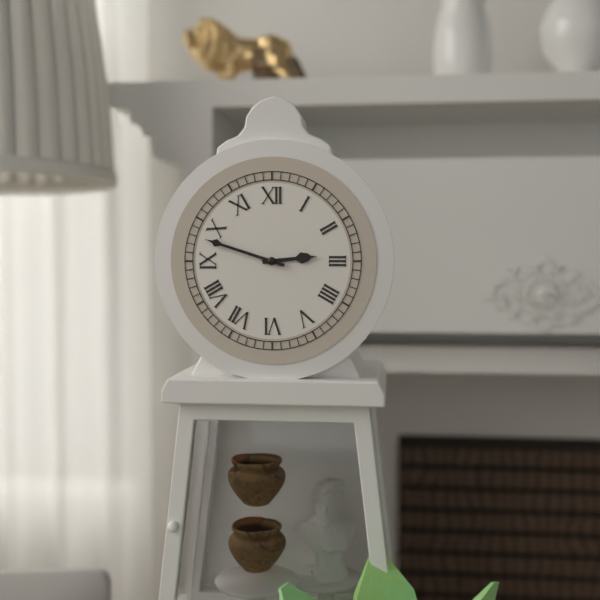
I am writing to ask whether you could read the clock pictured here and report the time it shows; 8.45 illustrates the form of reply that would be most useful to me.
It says 2.48
